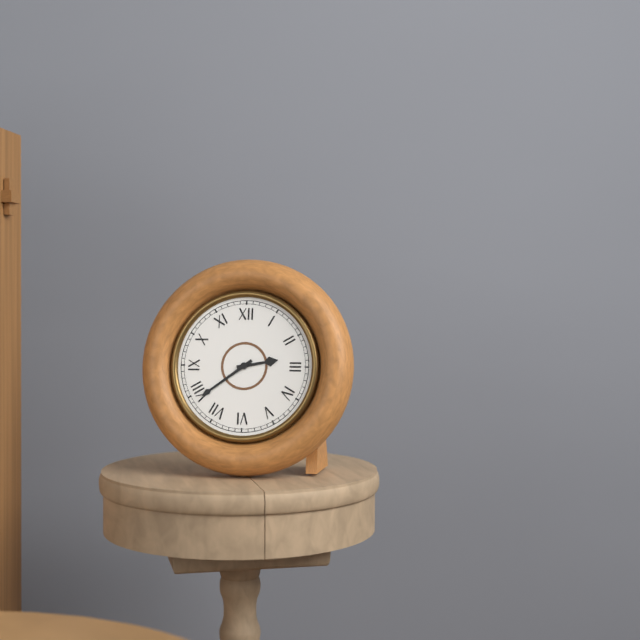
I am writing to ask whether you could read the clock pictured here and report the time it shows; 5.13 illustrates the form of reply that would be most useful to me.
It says 2.39
